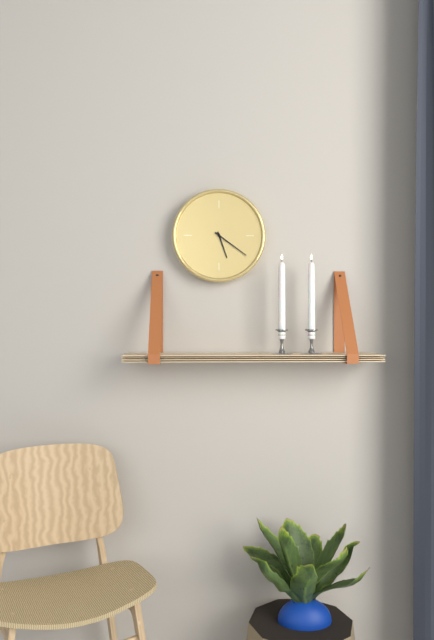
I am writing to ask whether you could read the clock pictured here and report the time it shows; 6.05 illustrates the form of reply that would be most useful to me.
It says 5.21
